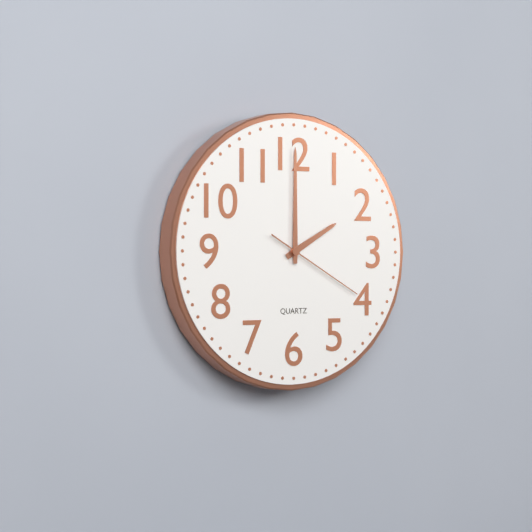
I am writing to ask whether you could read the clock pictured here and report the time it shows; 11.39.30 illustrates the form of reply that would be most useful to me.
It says 2.00.20
